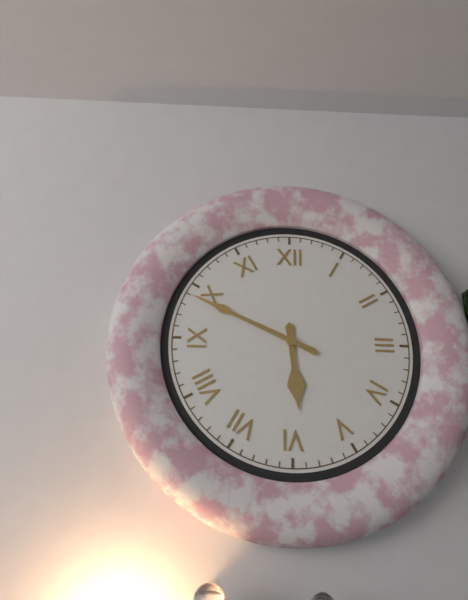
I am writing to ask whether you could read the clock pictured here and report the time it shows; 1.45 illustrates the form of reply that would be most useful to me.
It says 5.49
